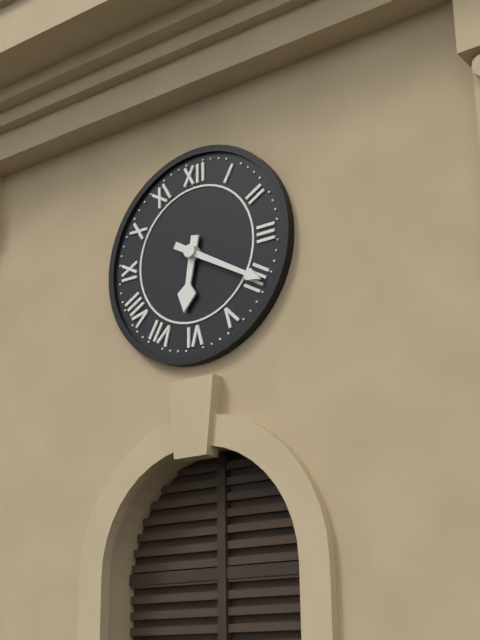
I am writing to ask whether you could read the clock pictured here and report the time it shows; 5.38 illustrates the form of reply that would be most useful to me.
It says 6.20
